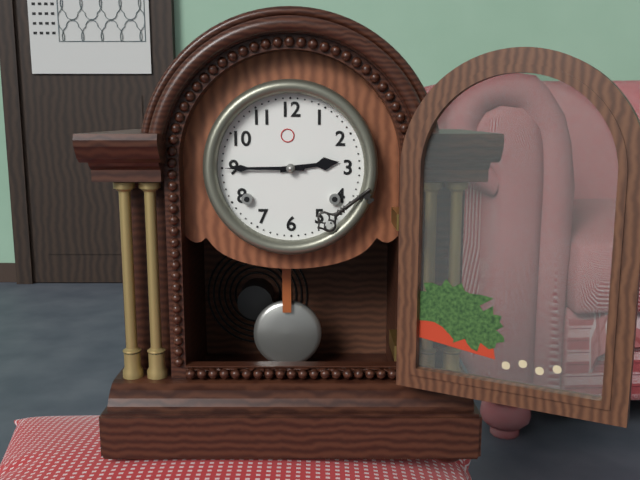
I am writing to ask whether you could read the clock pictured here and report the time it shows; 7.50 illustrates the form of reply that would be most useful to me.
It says 2.45
